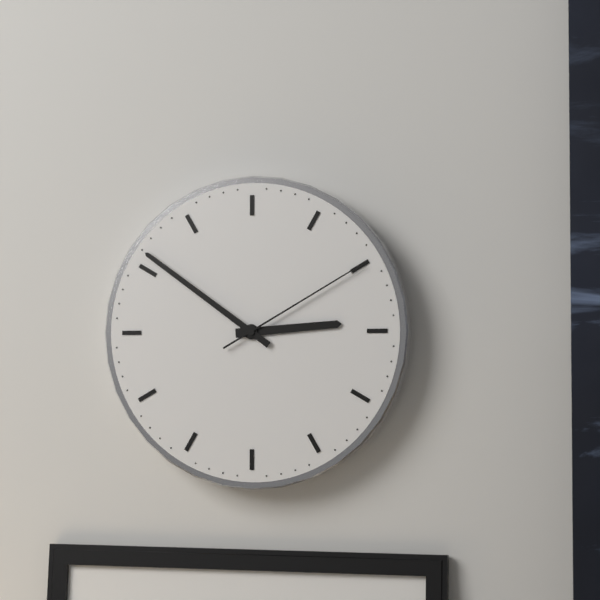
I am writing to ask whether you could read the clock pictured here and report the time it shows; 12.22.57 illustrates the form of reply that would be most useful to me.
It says 2.51.10
